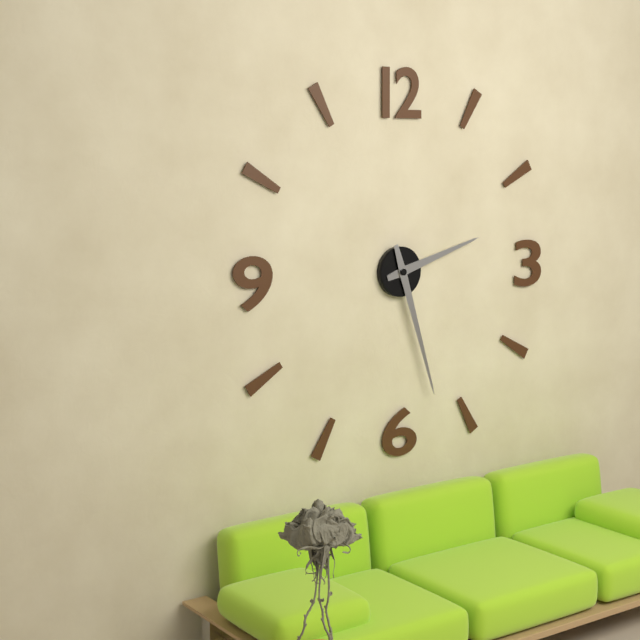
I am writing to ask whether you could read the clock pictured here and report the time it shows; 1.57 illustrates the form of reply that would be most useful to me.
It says 2.27
